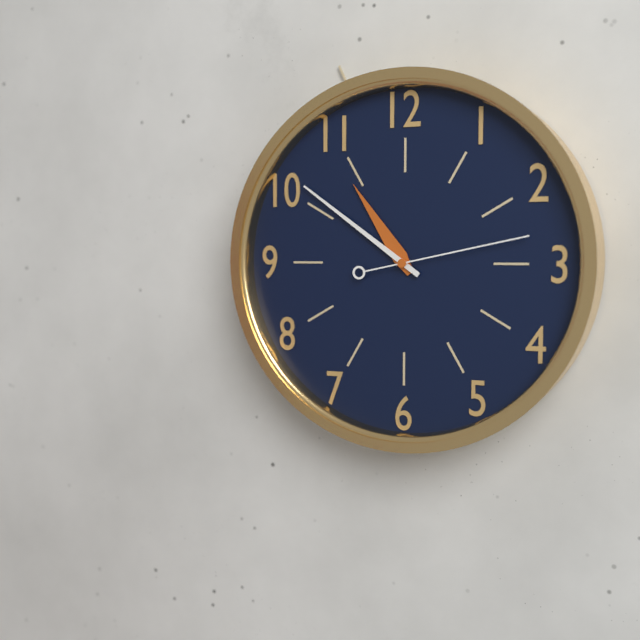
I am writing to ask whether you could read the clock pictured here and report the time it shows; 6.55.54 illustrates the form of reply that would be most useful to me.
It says 10.51.13
